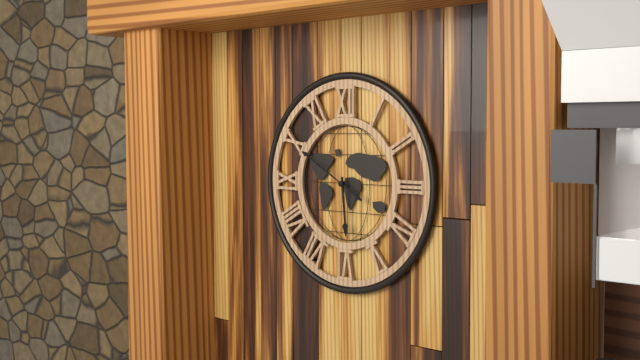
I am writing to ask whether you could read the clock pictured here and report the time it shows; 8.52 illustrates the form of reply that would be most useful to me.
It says 5.50
